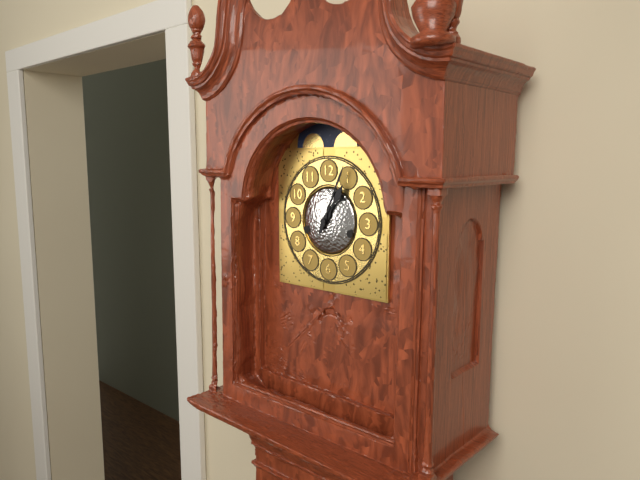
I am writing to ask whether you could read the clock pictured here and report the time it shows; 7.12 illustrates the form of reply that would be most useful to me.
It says 1.04
